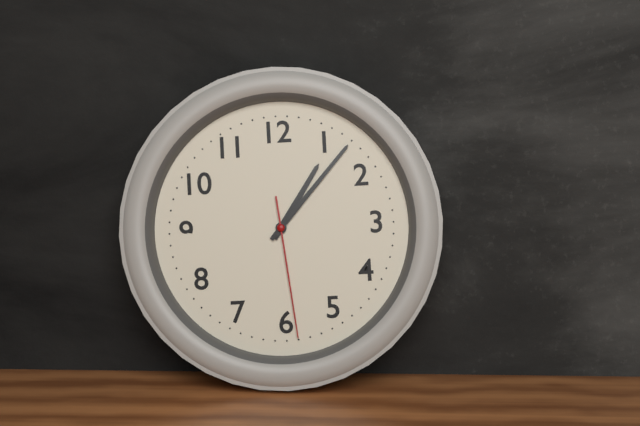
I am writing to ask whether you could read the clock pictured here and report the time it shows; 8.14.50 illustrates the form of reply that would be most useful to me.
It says 1.07.29
